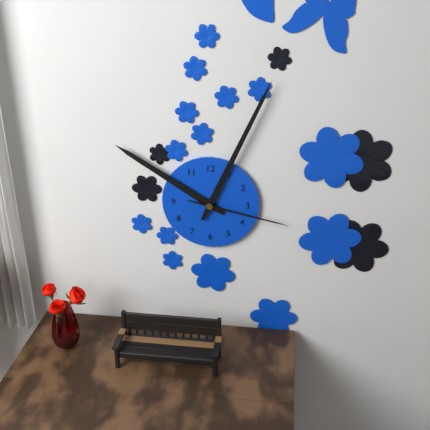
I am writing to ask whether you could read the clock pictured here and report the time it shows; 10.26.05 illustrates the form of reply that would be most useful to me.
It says 10.04.17
